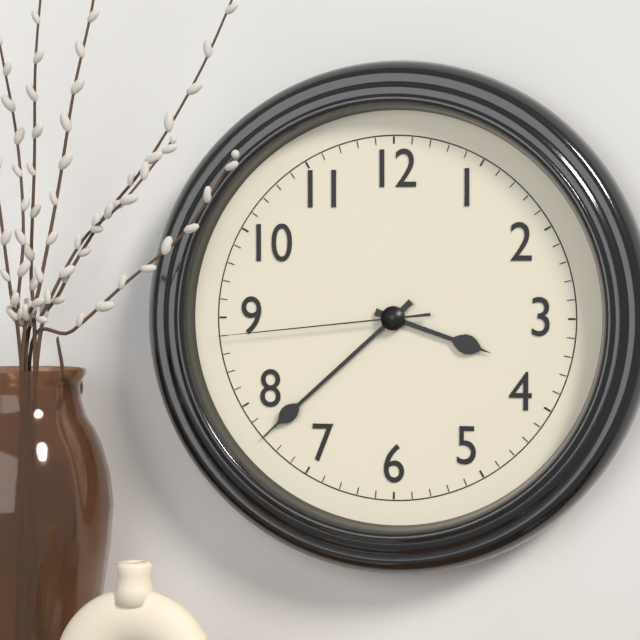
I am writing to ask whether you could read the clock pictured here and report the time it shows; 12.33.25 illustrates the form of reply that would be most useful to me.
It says 3.38.44
